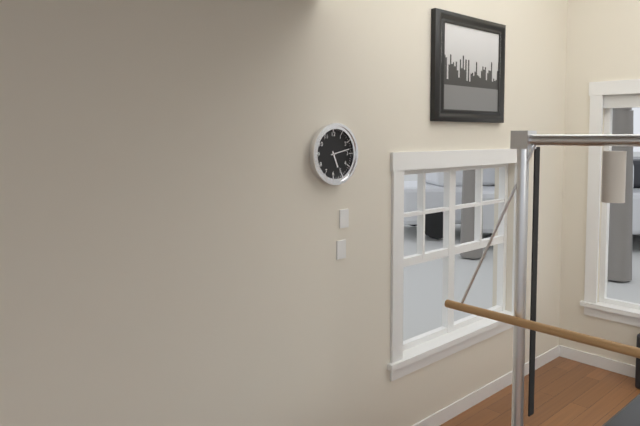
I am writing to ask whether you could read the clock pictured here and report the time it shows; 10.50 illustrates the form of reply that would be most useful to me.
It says 5.13
